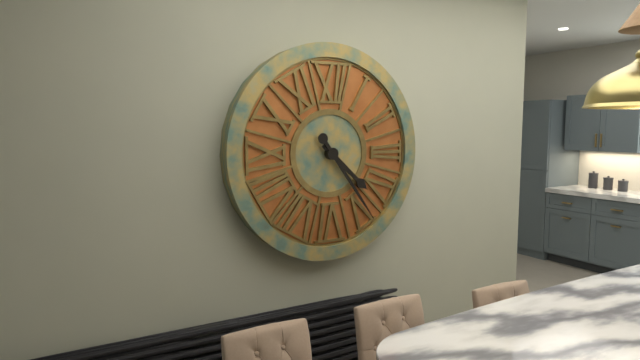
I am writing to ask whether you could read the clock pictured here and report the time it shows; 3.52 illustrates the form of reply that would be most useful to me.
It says 4.24
